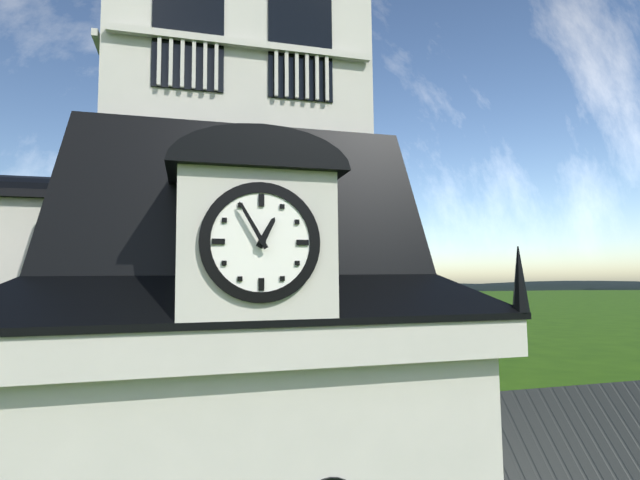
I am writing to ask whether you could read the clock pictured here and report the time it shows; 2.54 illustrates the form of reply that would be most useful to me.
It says 12.55
